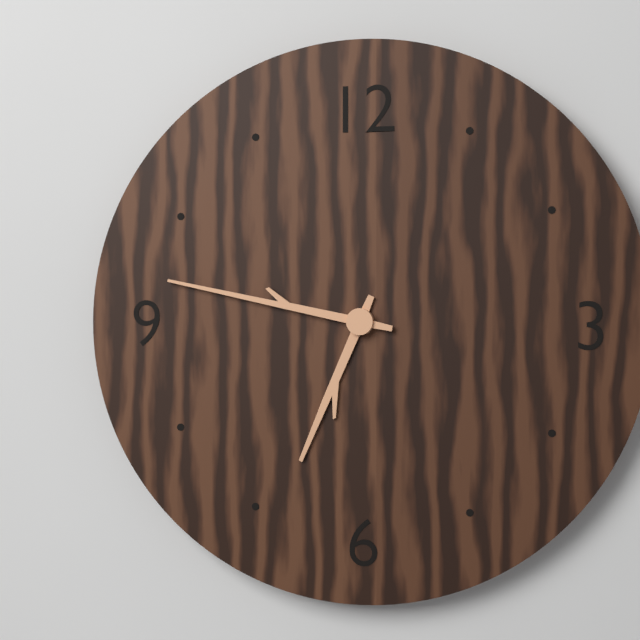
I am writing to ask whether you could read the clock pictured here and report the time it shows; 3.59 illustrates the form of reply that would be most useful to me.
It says 6.47
